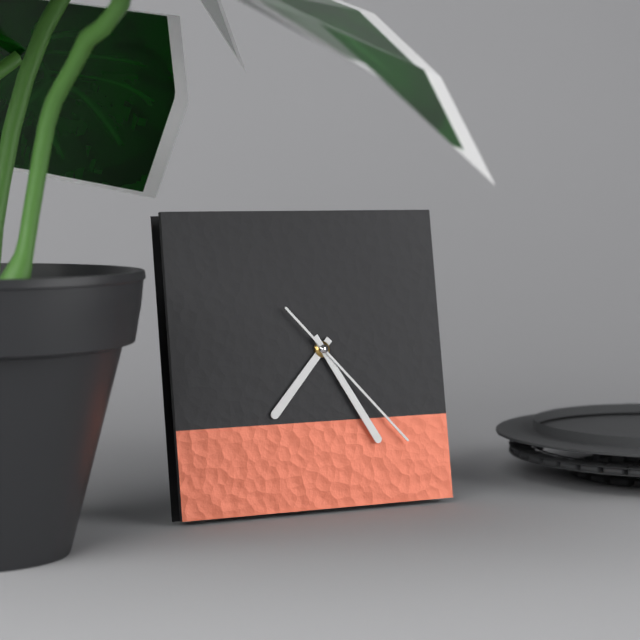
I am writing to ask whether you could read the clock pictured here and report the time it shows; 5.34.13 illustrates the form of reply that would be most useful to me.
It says 7.25.23
